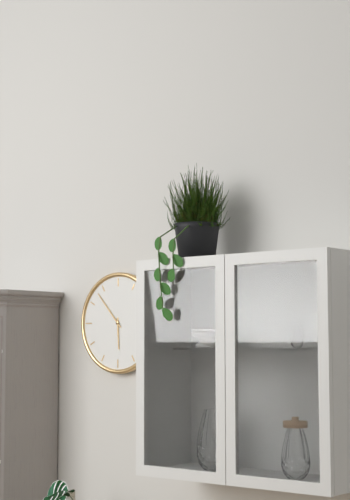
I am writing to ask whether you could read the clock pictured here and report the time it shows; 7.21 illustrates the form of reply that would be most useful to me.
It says 5.53
